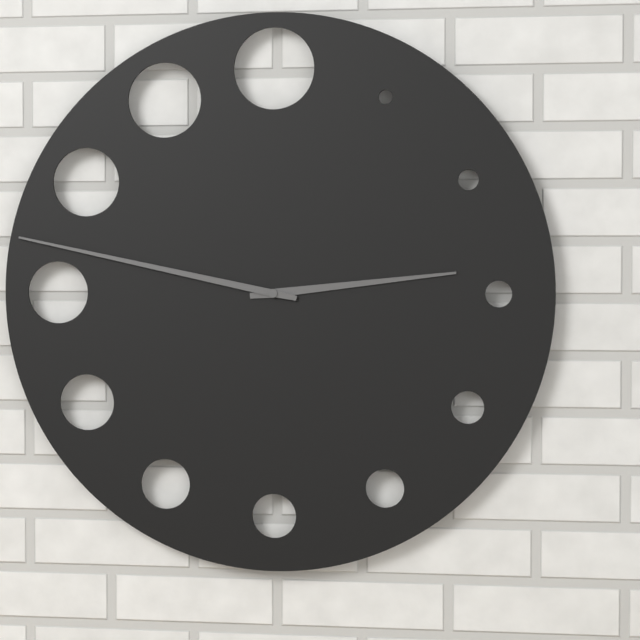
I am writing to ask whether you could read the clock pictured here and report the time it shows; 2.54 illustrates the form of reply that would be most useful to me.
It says 2.47
